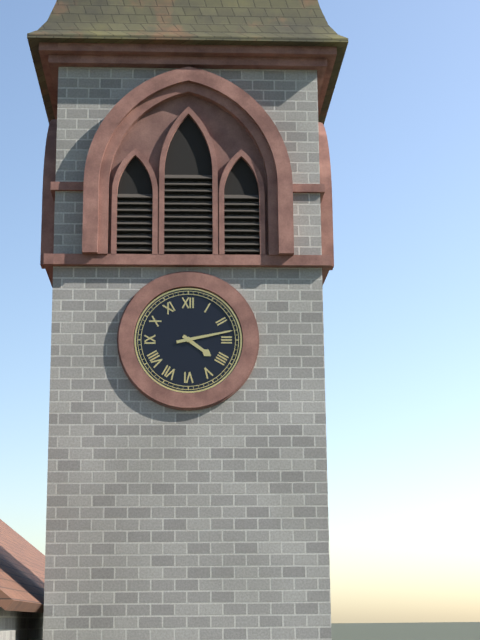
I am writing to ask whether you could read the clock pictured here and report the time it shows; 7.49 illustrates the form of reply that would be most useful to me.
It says 4.13
